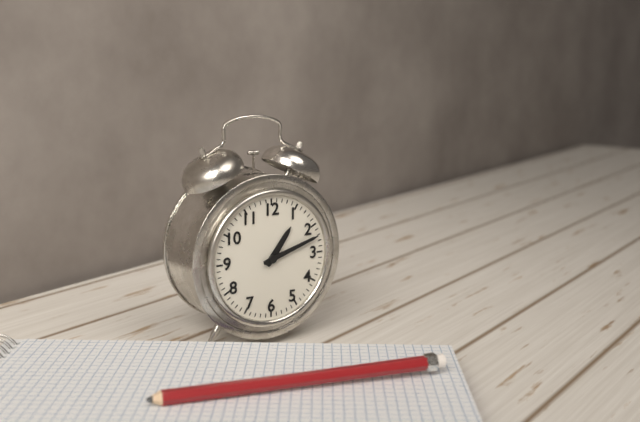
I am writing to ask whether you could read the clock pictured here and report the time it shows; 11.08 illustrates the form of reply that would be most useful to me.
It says 1.12
